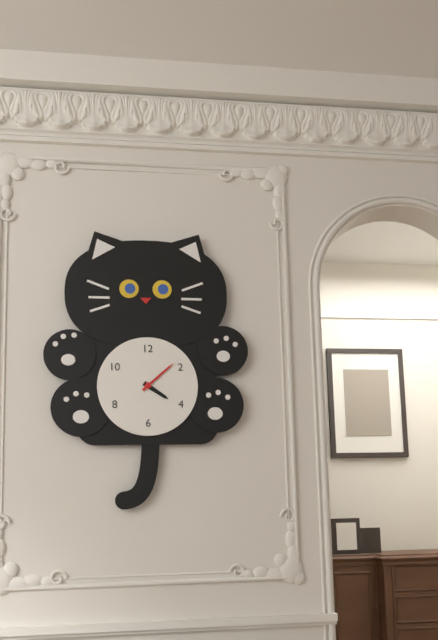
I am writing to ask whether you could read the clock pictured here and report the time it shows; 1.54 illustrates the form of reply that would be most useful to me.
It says 4.08
